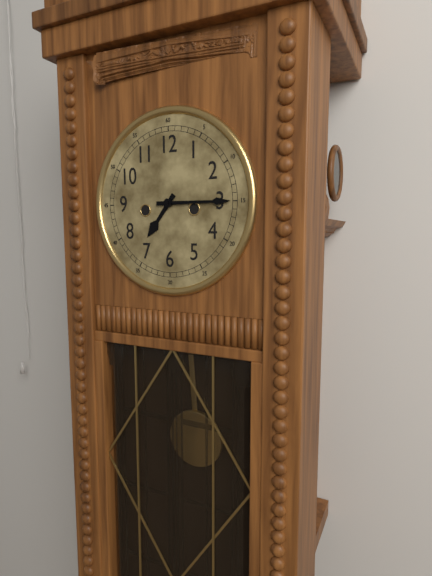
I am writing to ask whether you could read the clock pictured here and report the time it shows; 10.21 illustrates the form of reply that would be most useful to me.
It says 7.15
